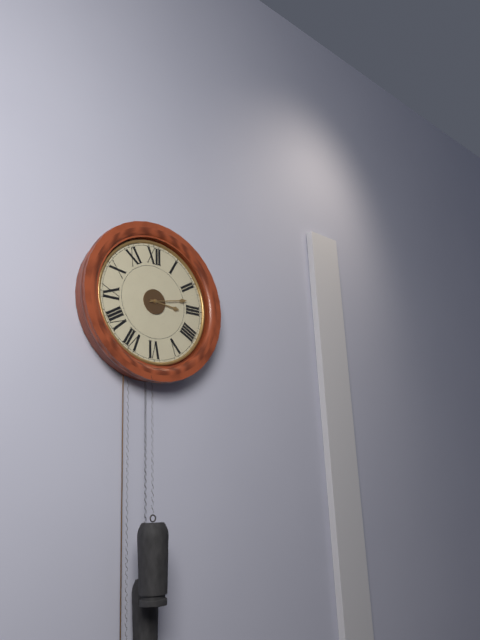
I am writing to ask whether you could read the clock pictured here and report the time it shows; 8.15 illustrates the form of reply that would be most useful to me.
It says 3.13
